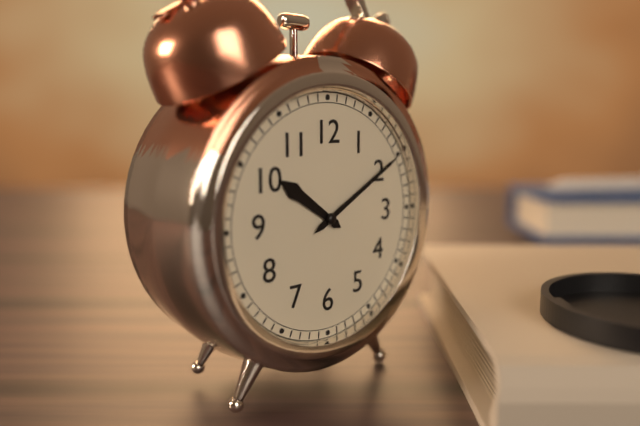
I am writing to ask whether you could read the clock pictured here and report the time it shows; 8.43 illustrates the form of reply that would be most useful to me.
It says 10.10
